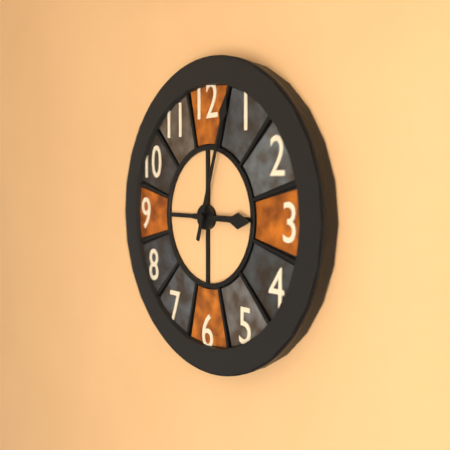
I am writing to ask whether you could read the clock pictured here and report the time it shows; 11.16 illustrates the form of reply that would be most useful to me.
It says 3.03
